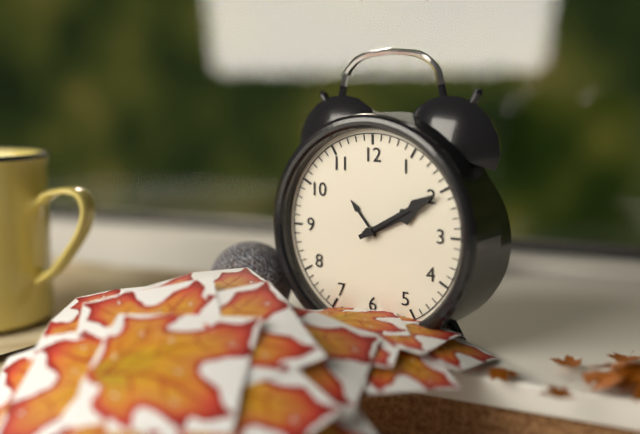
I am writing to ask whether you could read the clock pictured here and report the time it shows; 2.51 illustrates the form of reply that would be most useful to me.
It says 2.10
